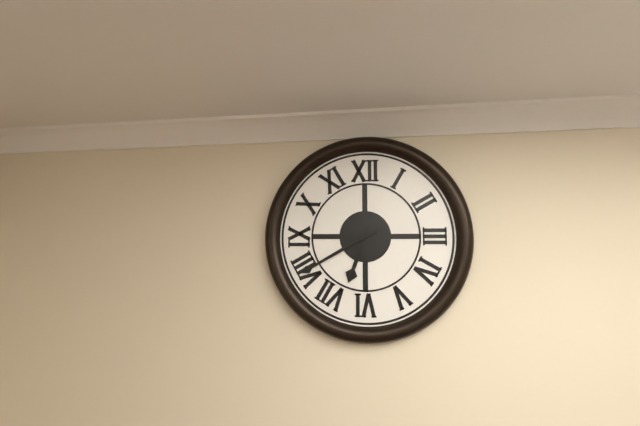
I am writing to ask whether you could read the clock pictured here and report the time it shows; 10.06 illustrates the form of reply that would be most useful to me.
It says 6.40
